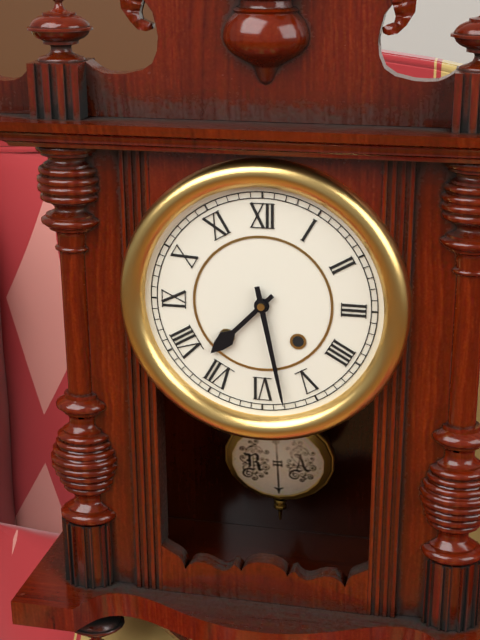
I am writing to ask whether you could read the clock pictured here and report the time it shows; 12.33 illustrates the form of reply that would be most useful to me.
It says 7.28
